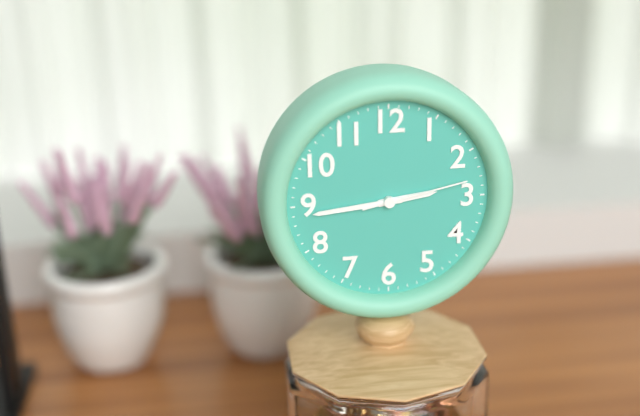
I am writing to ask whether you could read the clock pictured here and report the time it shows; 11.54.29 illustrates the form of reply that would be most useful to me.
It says 2.44.13
